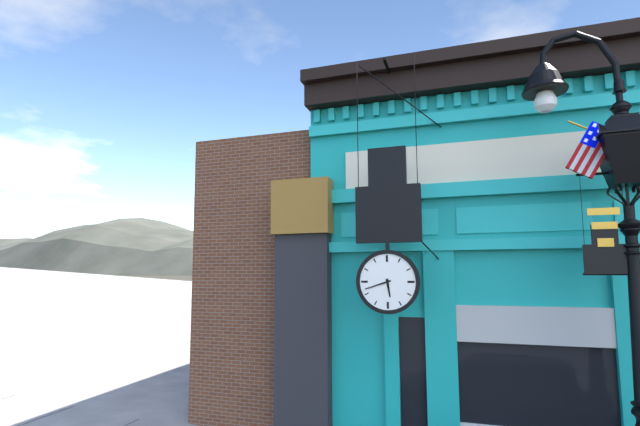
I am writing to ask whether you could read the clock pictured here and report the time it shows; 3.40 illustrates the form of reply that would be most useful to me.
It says 5.42
